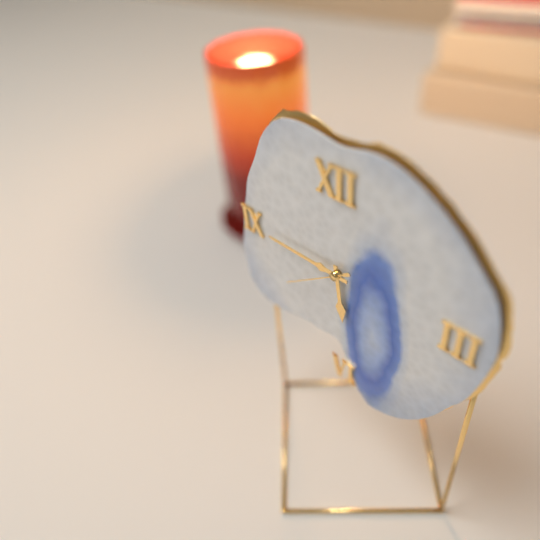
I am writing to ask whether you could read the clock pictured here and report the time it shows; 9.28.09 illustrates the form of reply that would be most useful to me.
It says 5.45.39
